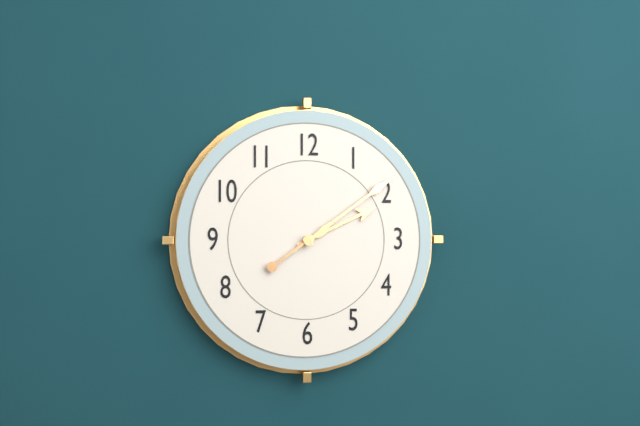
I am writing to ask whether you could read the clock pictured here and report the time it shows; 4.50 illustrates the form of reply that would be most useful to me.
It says 2.09
